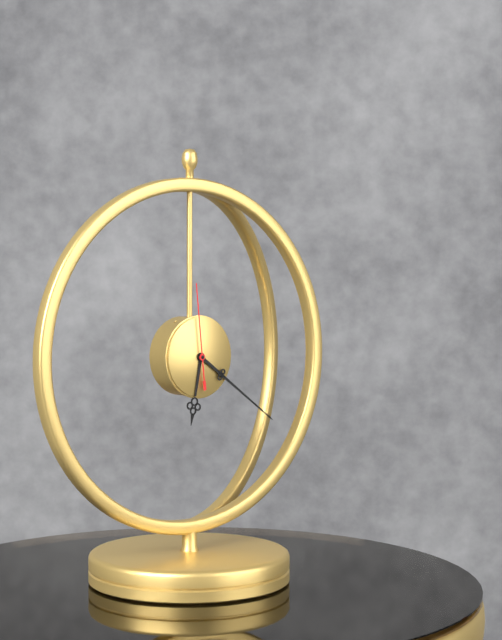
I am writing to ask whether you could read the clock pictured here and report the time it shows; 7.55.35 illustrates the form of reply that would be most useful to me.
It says 6.21.59
